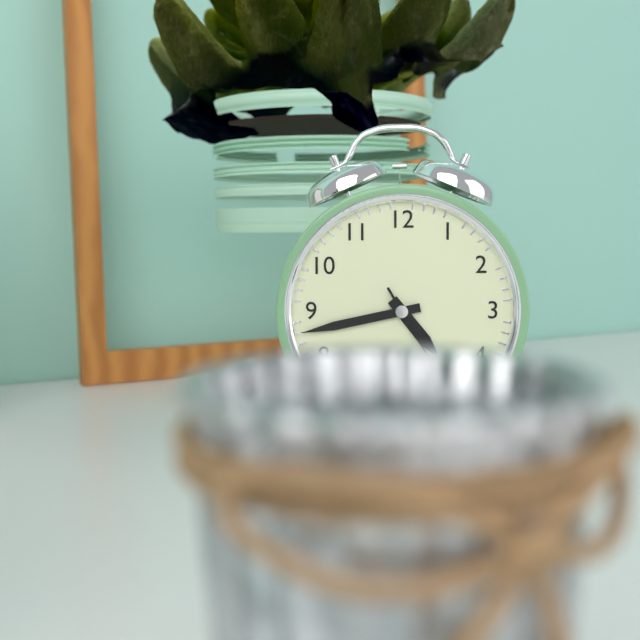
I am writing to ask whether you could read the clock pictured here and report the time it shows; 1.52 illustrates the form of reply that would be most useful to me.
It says 4.43
